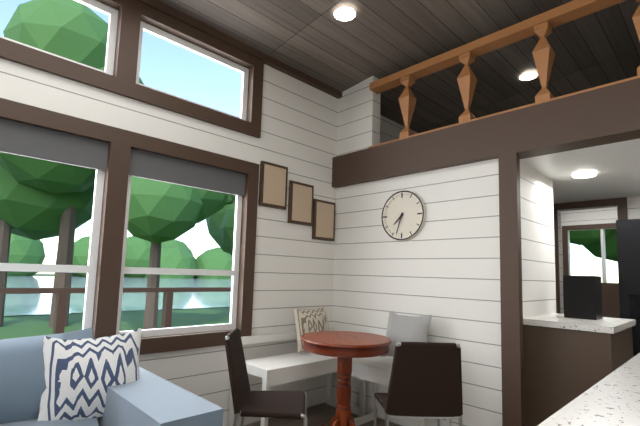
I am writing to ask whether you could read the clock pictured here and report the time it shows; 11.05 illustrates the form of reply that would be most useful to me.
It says 7.33
